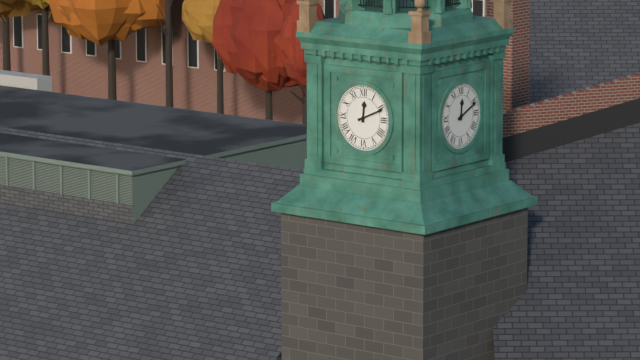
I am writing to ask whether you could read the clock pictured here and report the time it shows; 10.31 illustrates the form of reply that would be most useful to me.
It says 12.11
